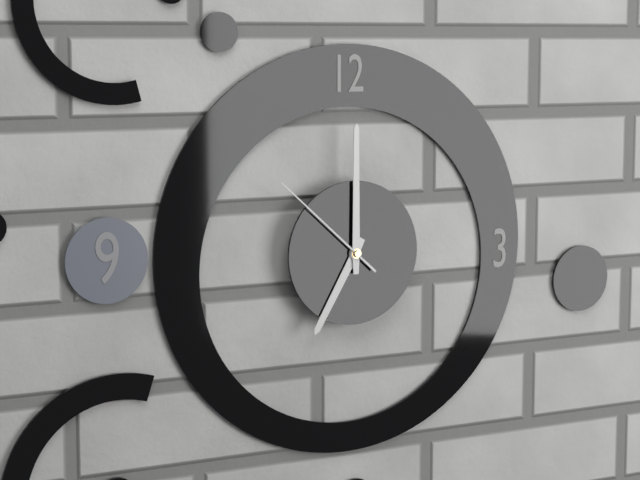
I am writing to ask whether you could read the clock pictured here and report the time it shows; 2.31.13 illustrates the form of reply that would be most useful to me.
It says 7.00.52
